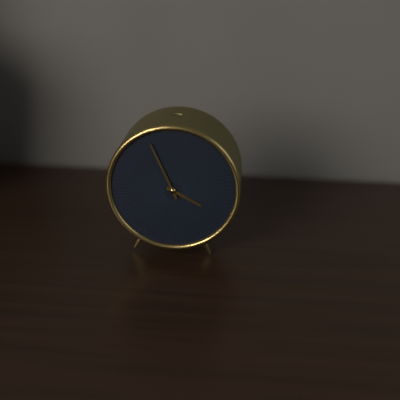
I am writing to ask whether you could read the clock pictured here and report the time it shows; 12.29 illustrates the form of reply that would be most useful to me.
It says 3.56
